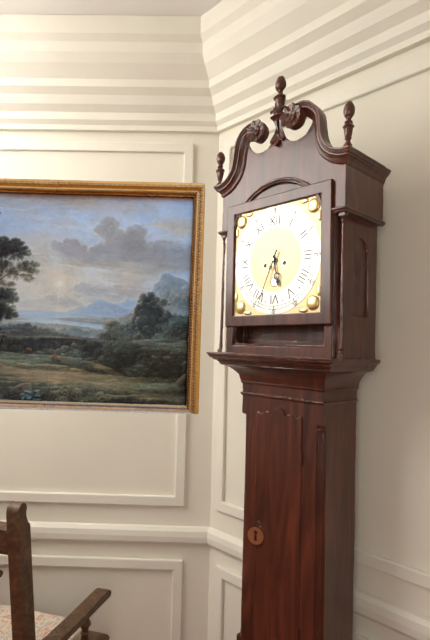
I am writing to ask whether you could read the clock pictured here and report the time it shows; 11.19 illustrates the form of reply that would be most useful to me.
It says 5.34
